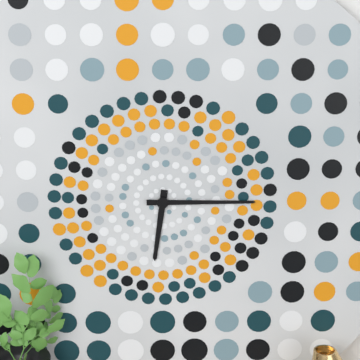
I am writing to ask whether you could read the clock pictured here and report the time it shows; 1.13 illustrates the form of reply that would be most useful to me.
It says 6.15
